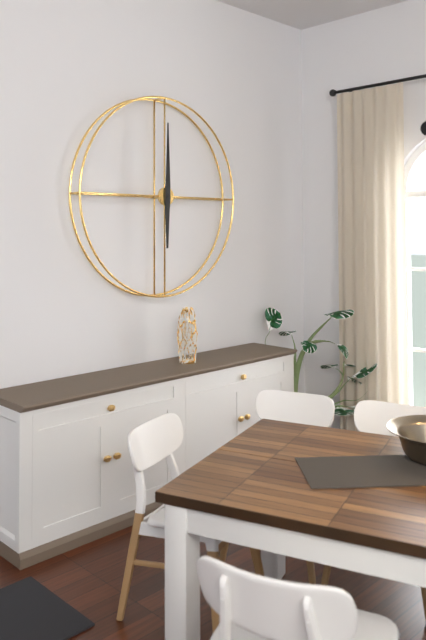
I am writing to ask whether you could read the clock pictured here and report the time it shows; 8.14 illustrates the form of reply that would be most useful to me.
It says 6.00
